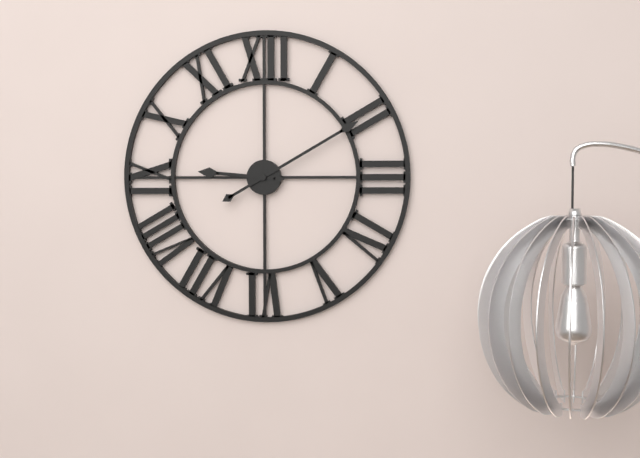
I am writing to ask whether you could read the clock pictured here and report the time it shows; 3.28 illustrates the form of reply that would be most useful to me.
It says 9.10
